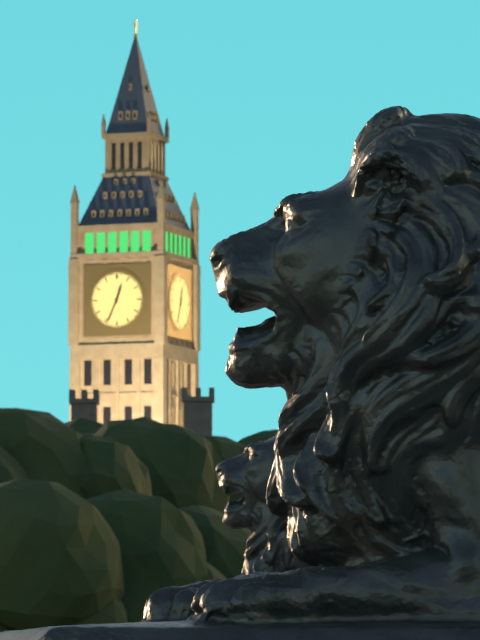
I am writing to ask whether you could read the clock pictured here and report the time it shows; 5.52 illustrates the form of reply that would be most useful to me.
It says 12.34
